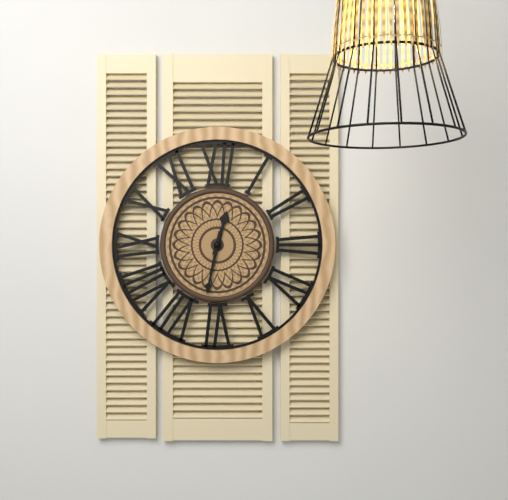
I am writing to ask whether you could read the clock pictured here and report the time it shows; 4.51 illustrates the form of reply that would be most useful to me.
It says 12.32
